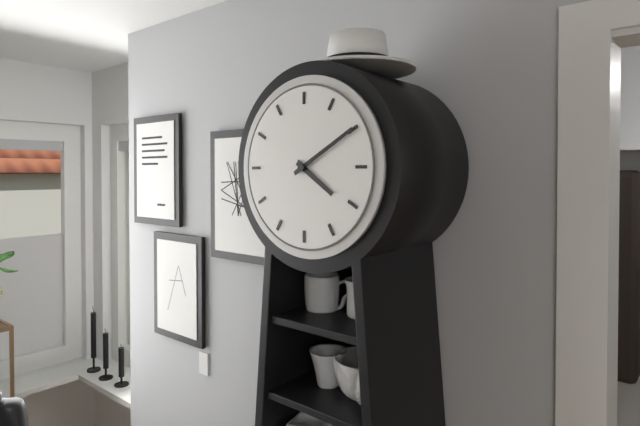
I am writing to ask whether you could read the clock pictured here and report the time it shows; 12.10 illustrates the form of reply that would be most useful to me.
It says 4.10
